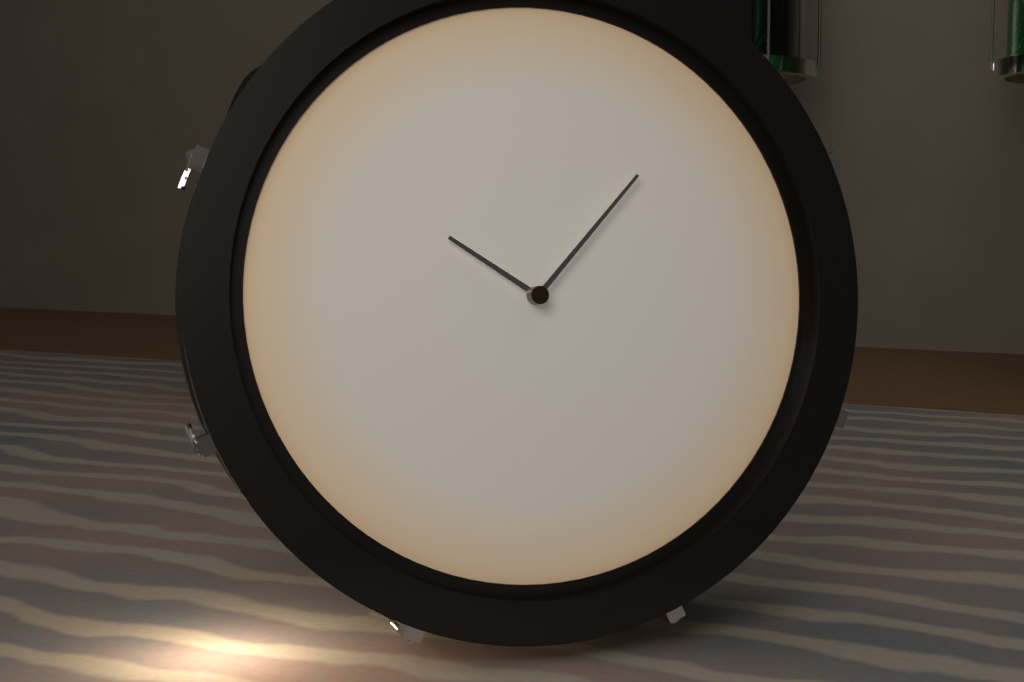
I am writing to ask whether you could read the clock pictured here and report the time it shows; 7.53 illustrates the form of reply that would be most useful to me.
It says 10.07
